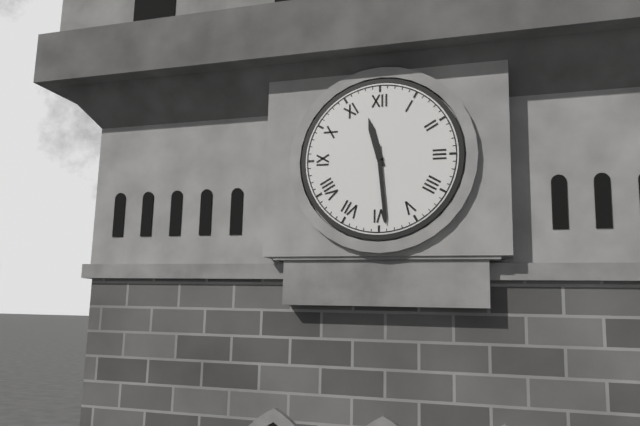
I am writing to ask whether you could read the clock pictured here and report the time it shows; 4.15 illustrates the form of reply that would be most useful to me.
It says 11.29
